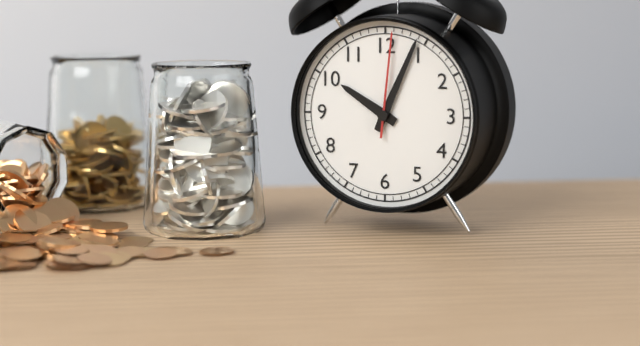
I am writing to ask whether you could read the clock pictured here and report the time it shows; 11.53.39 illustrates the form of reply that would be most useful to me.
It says 10.04.01
